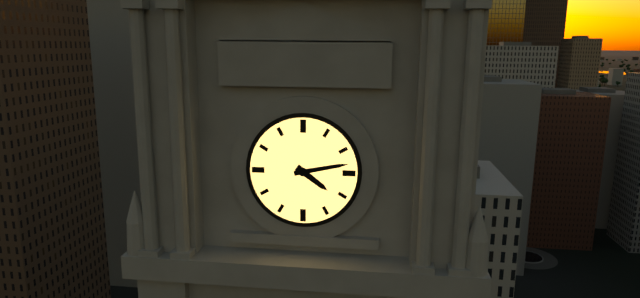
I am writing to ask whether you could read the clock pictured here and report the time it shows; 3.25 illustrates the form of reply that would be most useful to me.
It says 4.13
